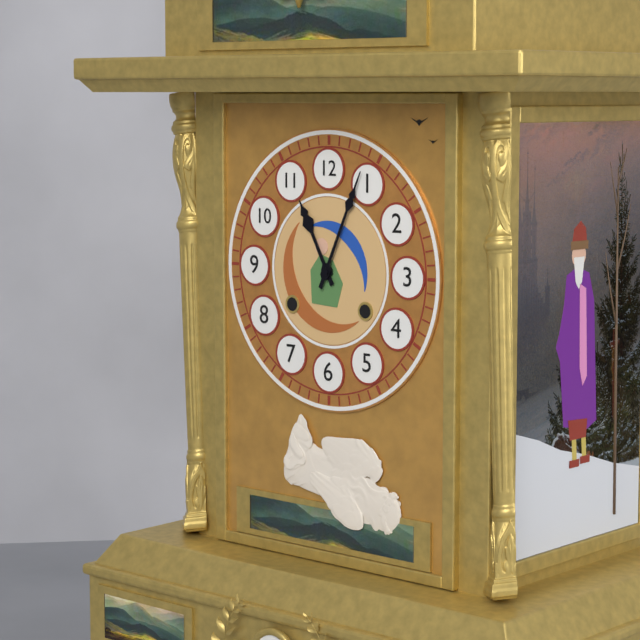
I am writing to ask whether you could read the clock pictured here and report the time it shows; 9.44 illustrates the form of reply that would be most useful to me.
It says 11.04
